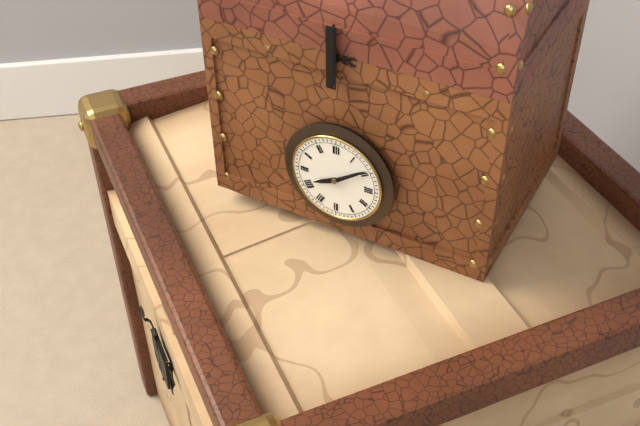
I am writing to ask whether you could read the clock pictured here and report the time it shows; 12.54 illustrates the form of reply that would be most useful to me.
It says 8.09
